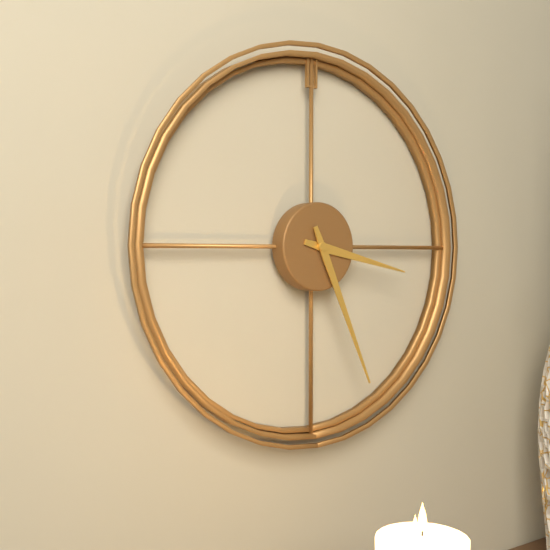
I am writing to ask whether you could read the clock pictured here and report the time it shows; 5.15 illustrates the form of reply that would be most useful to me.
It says 3.26
